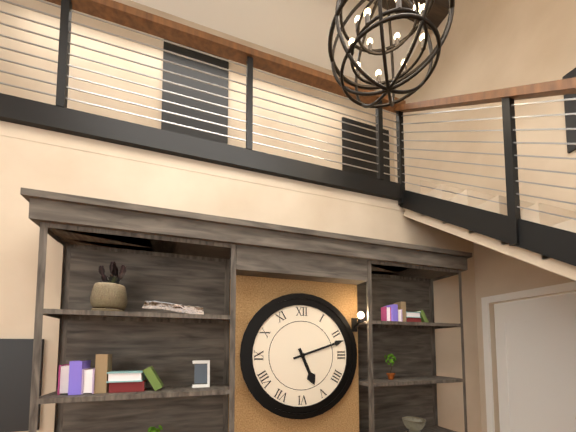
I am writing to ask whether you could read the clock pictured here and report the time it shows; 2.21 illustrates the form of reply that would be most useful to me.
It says 5.12
